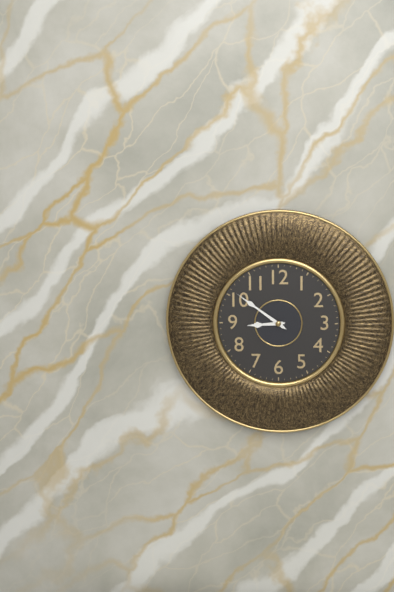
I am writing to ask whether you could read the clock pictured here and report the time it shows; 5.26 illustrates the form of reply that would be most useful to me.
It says 8.51
